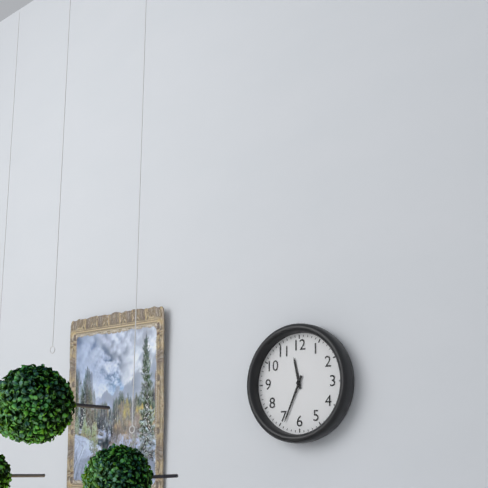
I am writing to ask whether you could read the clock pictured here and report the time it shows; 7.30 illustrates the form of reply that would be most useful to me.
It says 11.34
